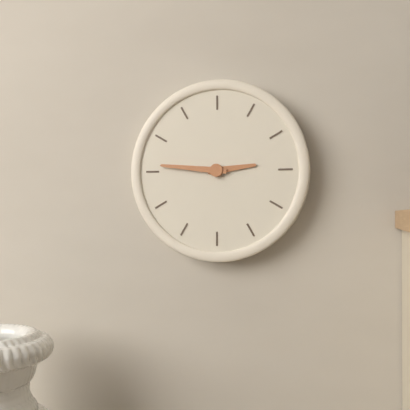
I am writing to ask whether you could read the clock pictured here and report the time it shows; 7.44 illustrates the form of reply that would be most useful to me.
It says 2.46
